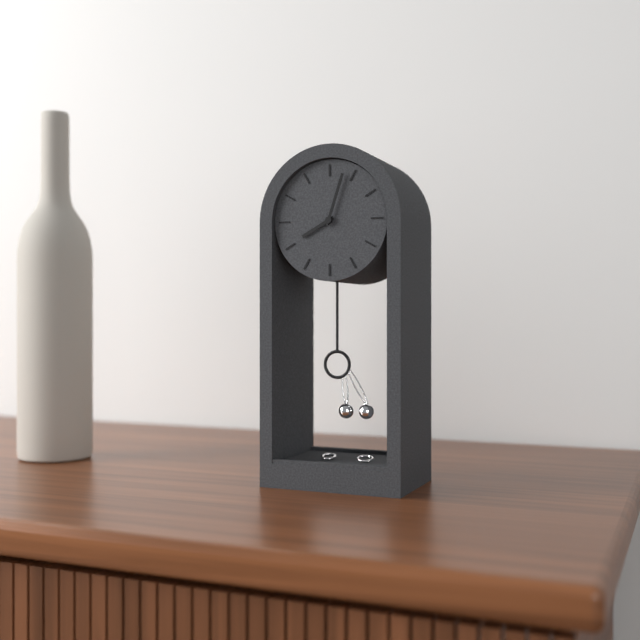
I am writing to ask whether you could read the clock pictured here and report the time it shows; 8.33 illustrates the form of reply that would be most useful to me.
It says 8.03
